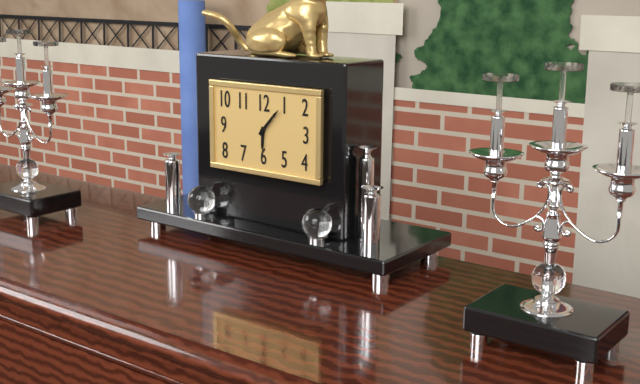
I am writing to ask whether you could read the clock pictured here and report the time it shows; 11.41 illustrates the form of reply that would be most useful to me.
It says 6.07
